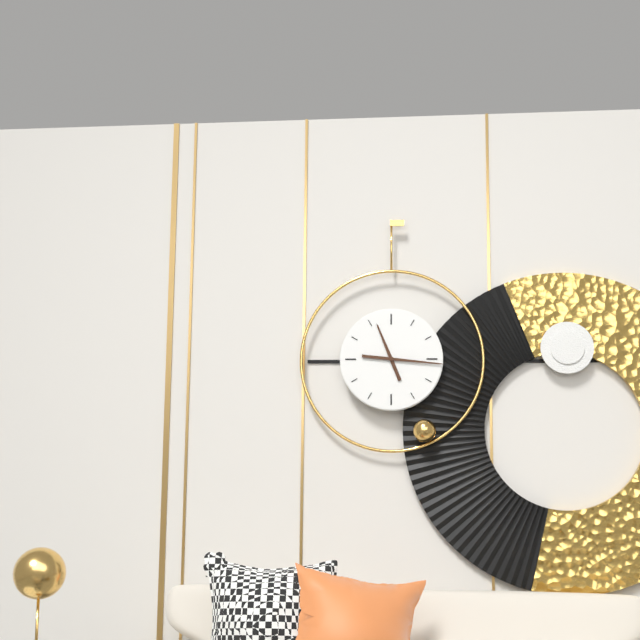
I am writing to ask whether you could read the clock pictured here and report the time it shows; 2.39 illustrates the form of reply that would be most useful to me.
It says 11.16
